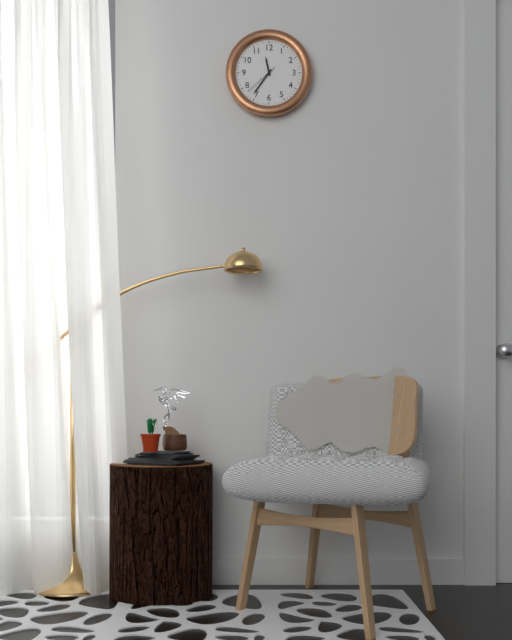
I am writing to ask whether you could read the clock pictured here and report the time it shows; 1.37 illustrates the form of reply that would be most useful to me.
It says 11.36
